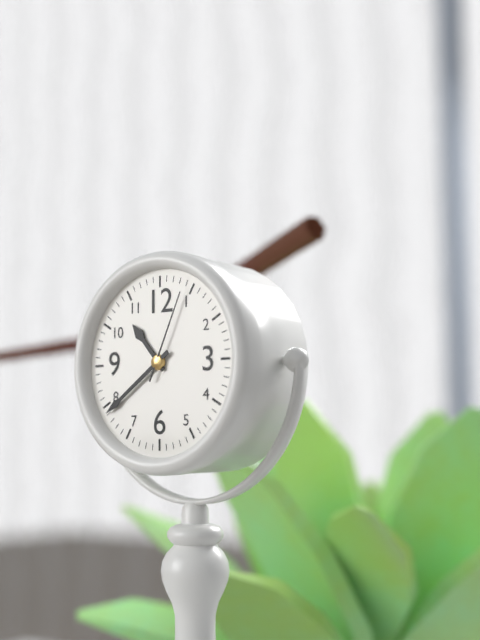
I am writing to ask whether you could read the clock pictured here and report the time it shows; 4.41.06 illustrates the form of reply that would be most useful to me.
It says 10.39.04
